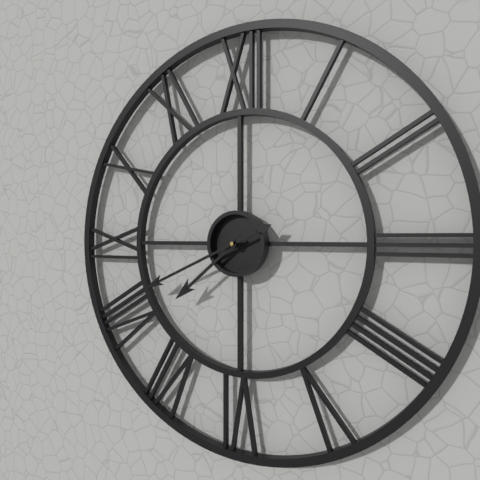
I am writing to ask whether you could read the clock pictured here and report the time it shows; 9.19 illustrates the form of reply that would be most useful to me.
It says 7.41
